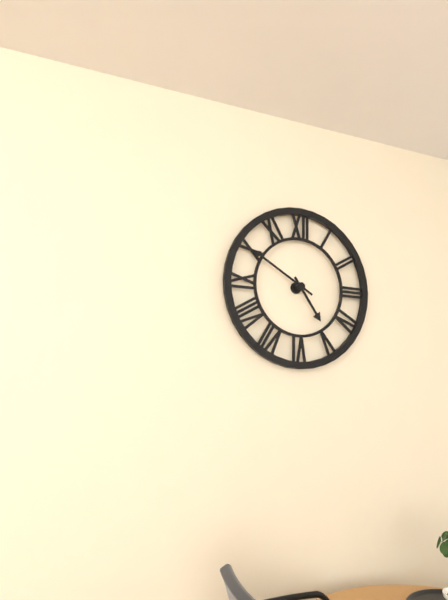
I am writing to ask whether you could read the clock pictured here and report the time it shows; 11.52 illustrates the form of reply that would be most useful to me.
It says 4.50
